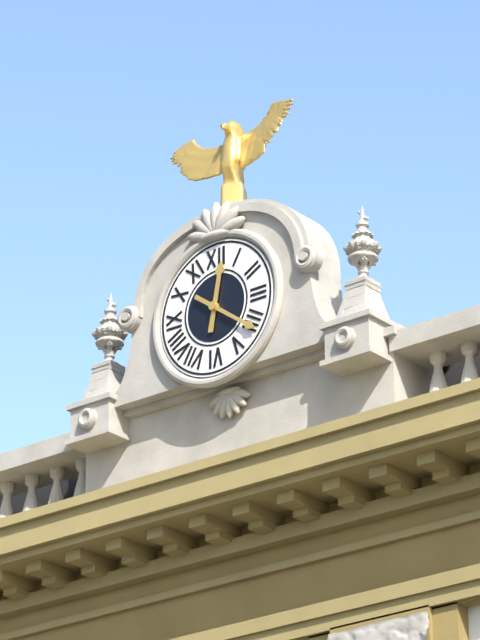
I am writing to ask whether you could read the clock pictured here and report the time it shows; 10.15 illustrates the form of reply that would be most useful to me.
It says 12.21
